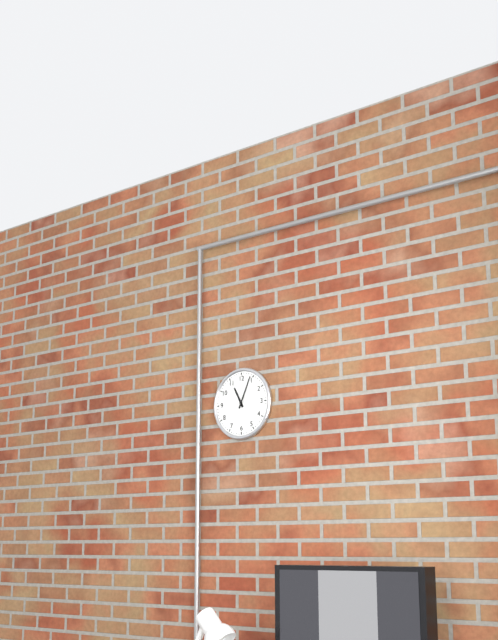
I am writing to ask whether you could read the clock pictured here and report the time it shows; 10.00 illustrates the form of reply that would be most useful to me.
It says 11.04
